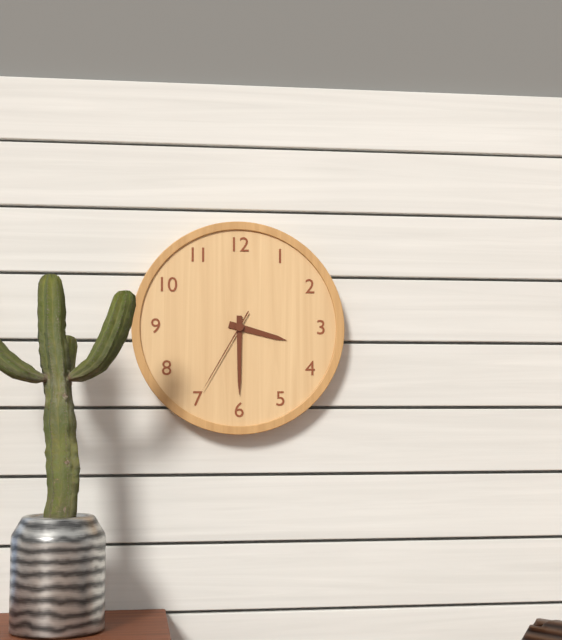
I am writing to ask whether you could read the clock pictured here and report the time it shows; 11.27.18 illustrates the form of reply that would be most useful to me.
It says 3.30.35
